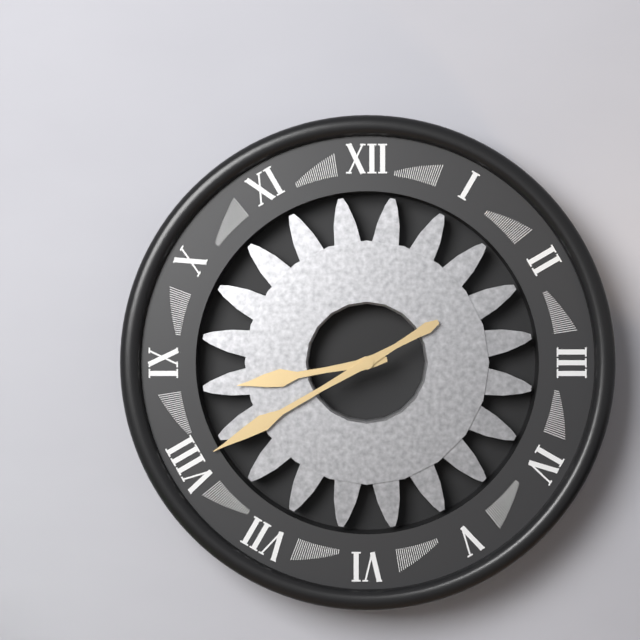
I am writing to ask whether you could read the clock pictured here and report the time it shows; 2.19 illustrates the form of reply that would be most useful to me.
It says 8.40
